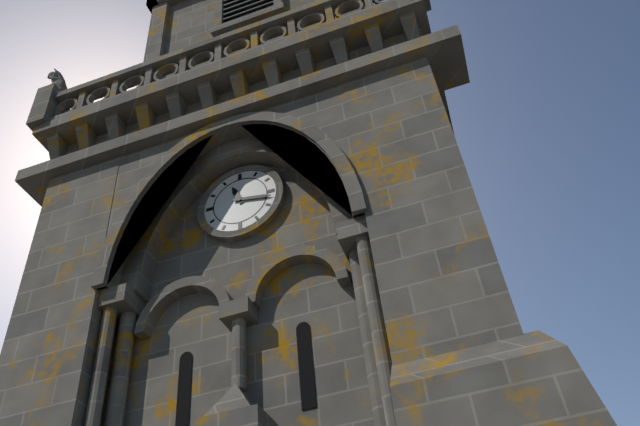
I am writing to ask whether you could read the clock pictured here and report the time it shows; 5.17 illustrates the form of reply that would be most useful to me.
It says 11.17
